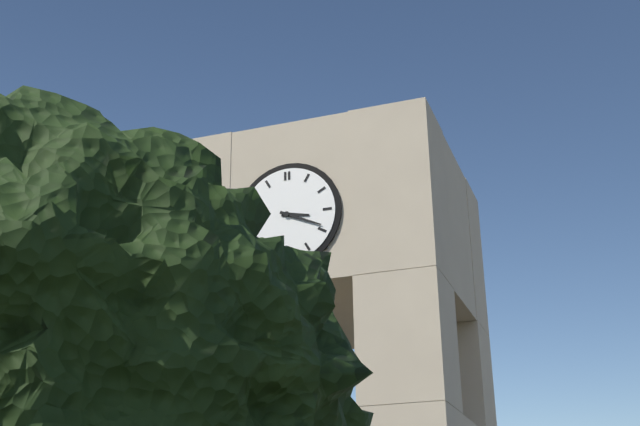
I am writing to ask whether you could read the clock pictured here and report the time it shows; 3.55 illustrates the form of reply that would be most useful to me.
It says 3.19
